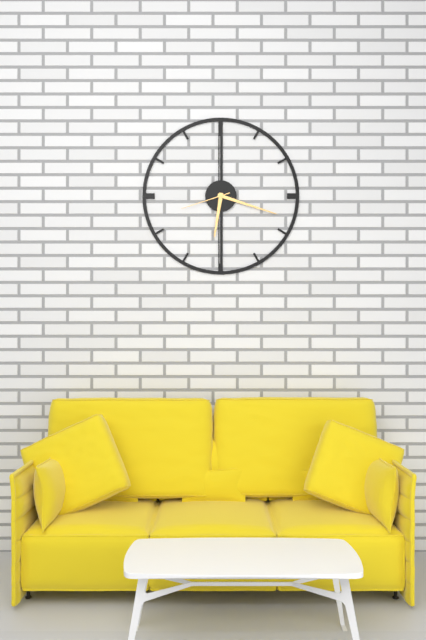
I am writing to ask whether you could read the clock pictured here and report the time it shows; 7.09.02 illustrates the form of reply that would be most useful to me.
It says 6.18.42
